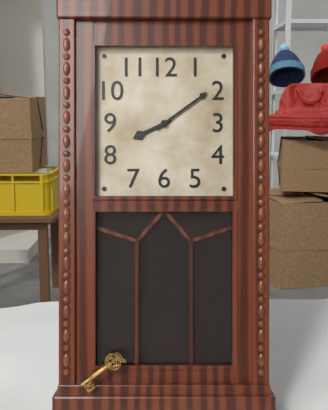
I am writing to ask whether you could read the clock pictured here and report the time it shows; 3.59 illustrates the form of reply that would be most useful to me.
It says 8.09
